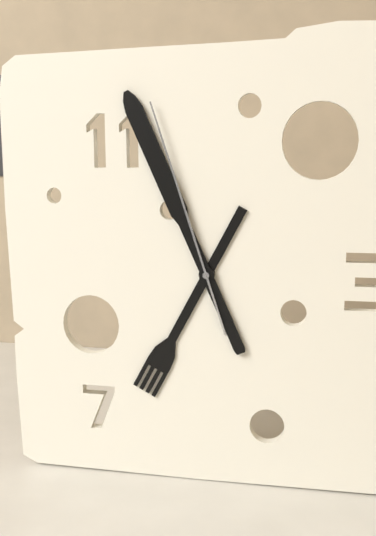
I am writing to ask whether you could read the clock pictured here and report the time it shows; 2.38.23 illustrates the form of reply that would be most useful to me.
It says 6.56.57
